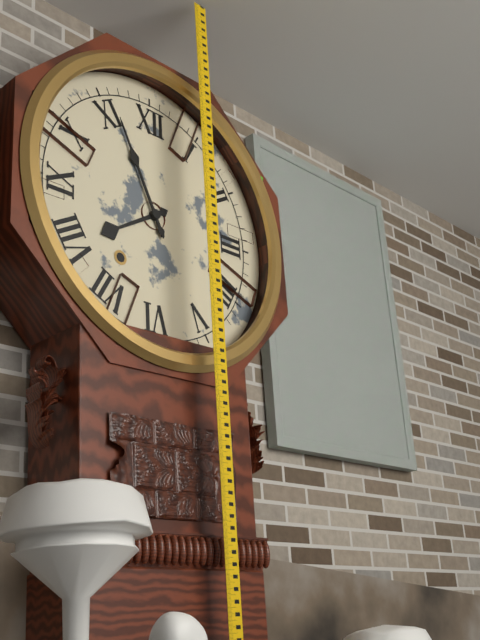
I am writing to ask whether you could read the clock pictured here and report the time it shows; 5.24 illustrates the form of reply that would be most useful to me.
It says 7.56
